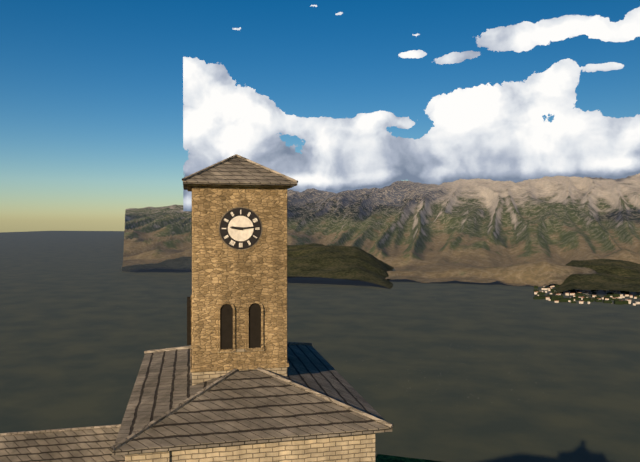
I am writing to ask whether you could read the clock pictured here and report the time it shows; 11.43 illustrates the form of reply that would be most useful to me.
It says 9.14
